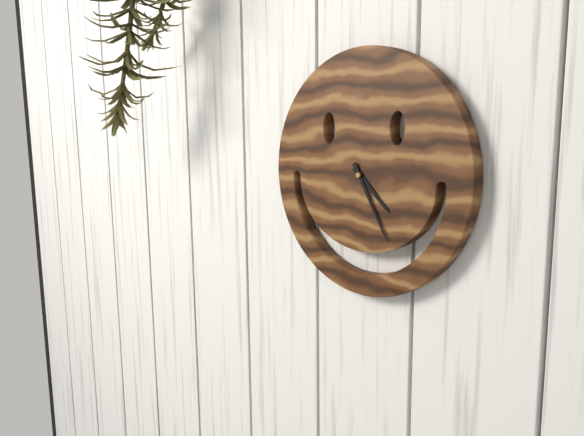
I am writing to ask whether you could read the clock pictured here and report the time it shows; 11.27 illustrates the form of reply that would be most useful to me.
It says 4.25
